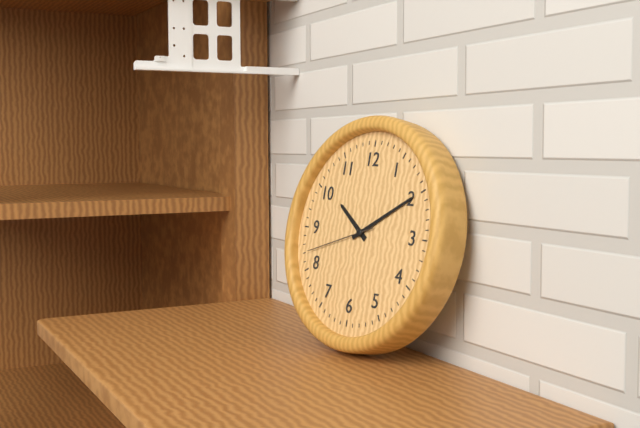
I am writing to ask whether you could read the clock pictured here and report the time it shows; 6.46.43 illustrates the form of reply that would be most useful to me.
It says 10.10.42
